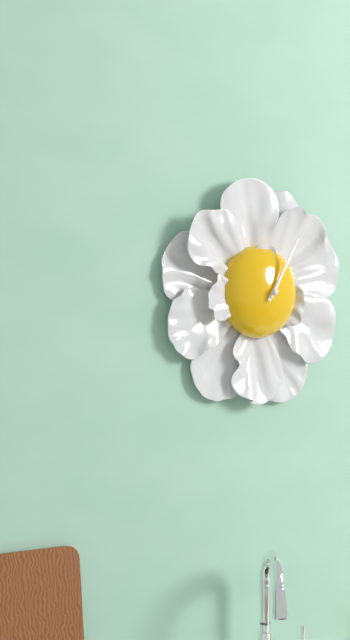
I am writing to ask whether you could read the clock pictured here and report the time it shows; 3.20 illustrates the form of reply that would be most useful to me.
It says 1.05
